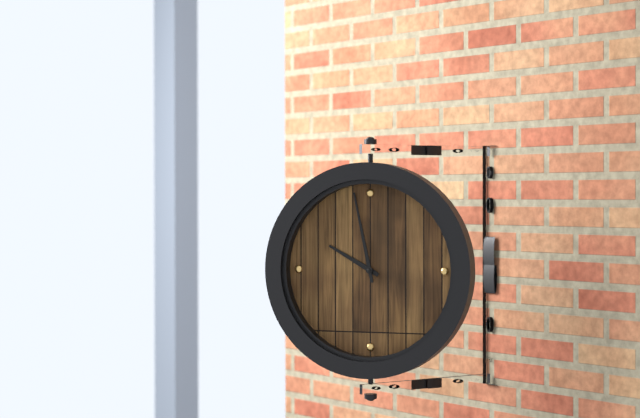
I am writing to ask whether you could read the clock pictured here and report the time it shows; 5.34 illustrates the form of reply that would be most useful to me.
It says 9.58
